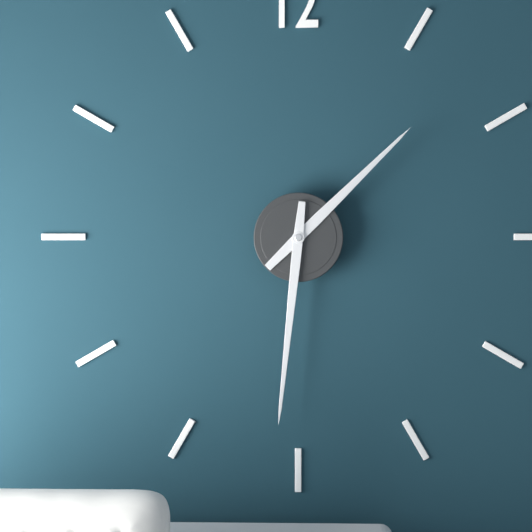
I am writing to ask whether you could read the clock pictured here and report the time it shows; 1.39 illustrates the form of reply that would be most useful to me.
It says 1.31
